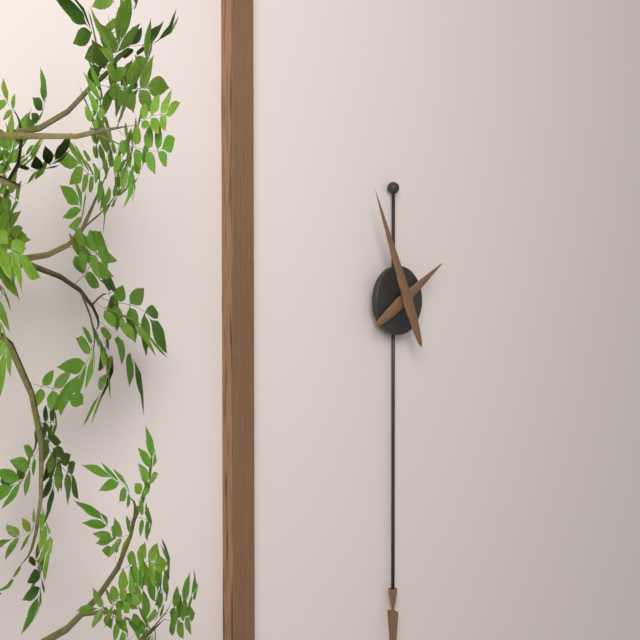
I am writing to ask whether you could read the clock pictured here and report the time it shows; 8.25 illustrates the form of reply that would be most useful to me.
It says 1.56
